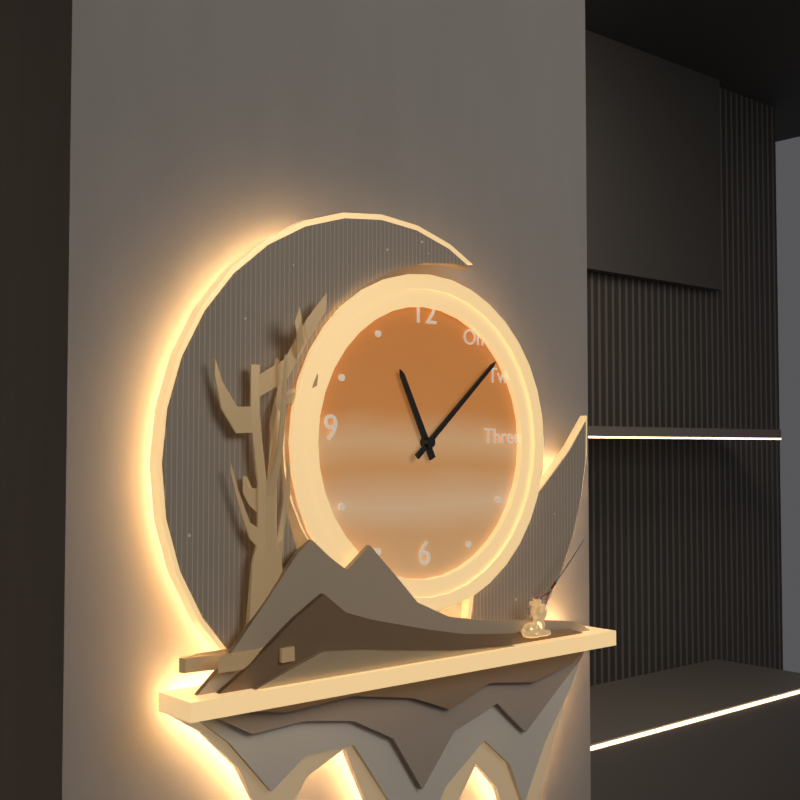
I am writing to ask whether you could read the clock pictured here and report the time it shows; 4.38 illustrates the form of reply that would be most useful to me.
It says 11.08
